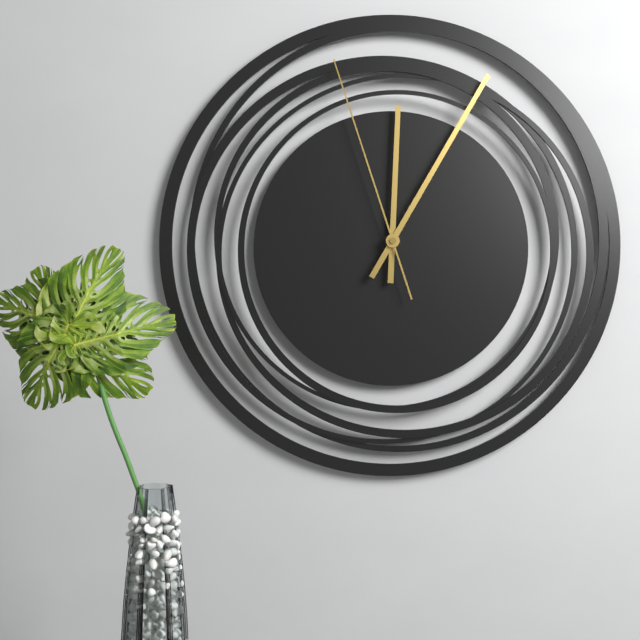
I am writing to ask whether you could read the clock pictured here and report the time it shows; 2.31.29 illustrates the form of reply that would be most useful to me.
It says 12.05.57
